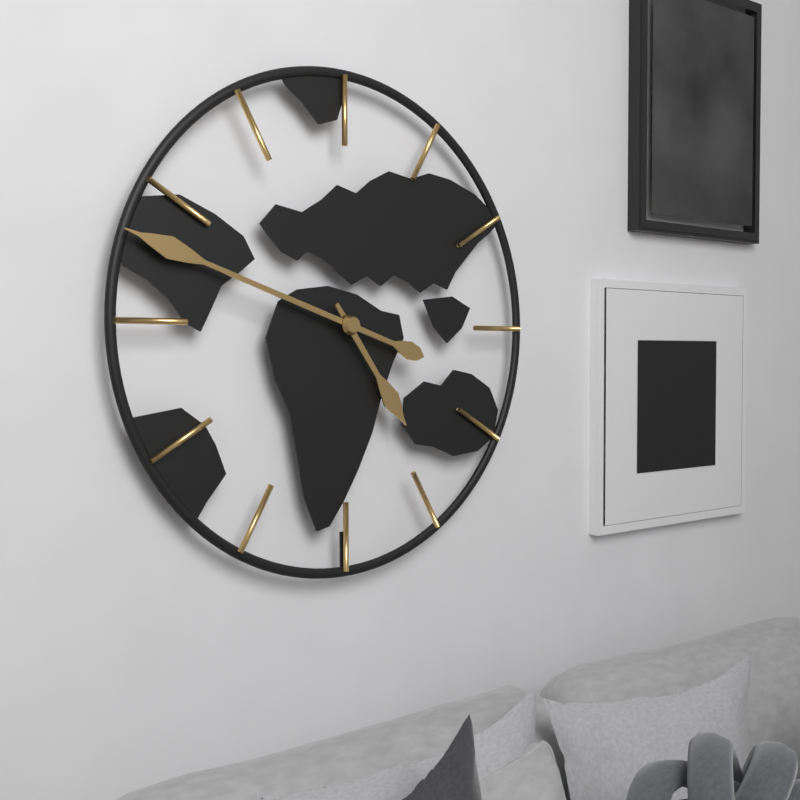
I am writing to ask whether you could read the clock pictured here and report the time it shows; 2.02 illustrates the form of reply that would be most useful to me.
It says 4.48
